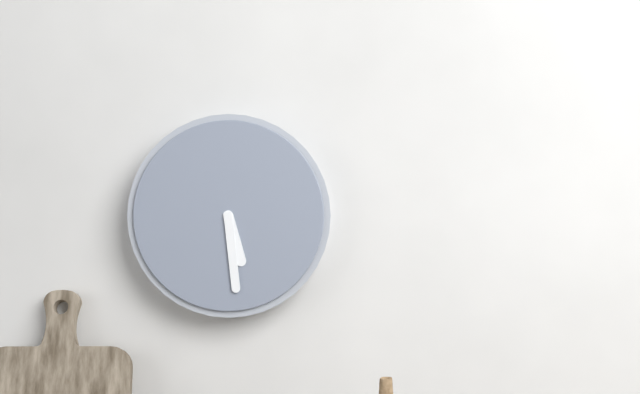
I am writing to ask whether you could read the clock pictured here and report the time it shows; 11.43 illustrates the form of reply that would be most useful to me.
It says 5.29
